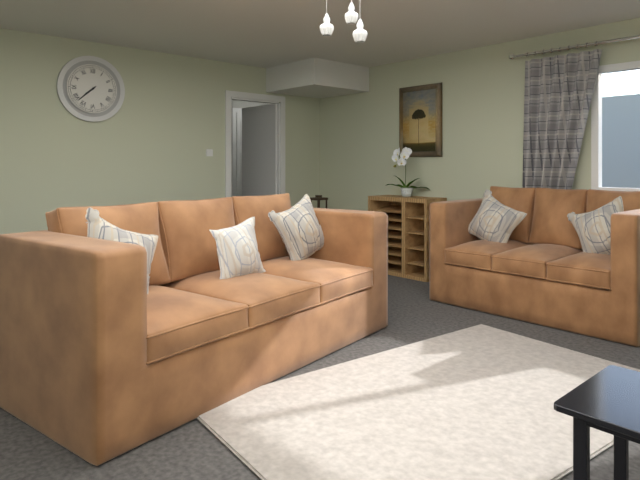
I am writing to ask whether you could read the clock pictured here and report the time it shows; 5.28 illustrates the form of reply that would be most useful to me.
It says 7.38
